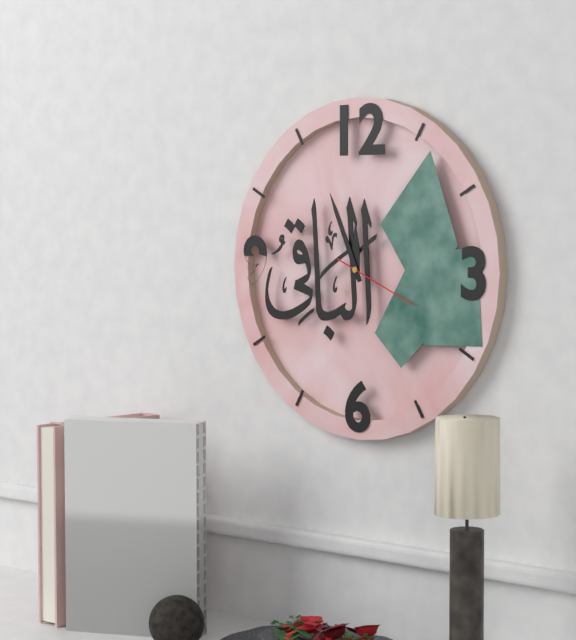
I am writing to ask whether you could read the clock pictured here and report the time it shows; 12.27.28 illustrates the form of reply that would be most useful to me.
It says 11.56.19
